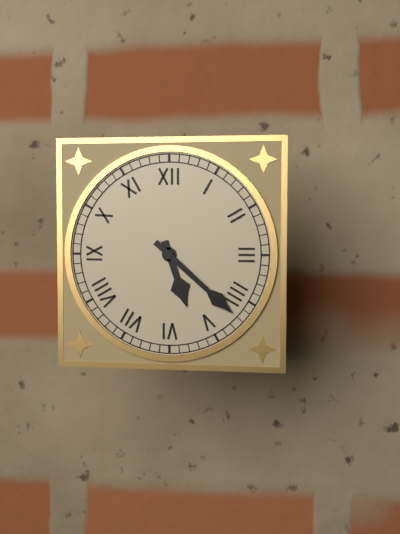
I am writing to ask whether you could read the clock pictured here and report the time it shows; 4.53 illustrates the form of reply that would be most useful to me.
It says 5.22
